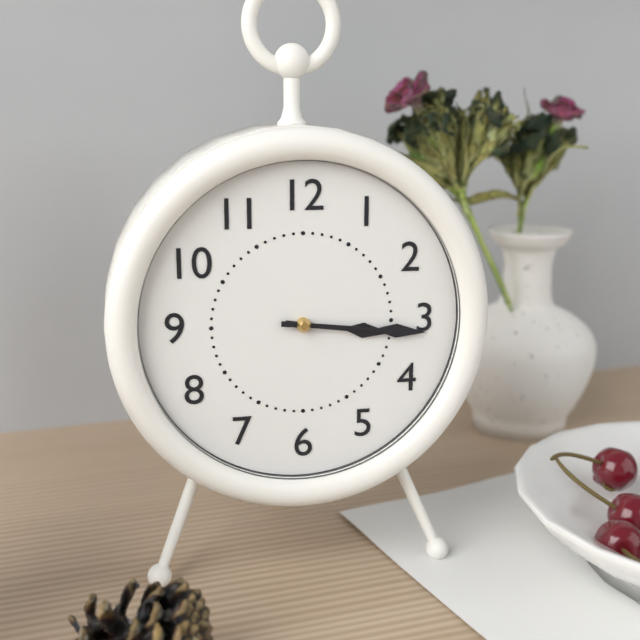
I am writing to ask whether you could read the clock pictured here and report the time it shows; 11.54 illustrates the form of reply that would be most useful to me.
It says 3.16
